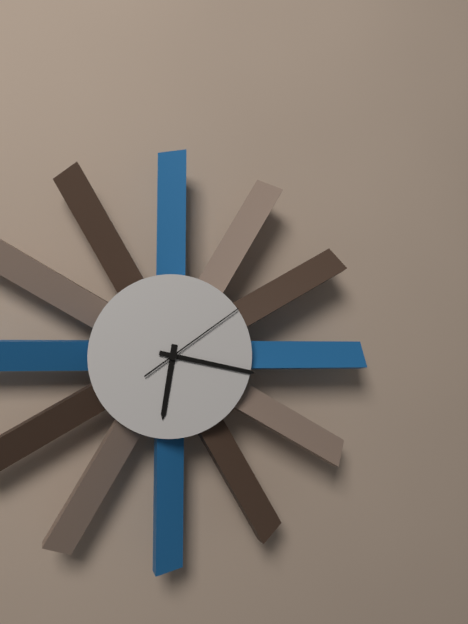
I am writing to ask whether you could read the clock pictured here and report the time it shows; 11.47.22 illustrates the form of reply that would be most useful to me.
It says 6.17.09
